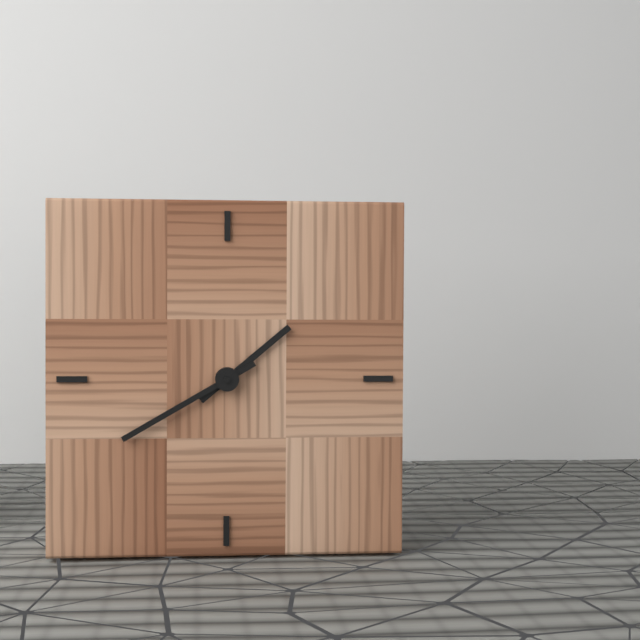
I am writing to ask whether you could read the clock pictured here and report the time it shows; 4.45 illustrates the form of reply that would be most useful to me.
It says 1.40
